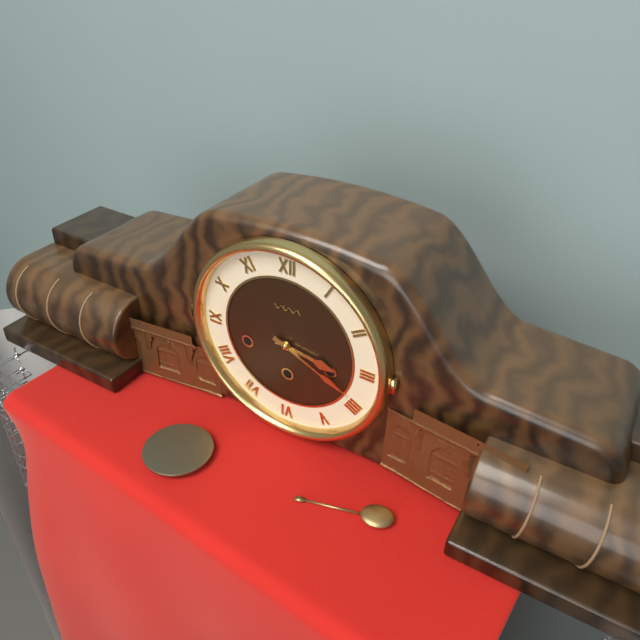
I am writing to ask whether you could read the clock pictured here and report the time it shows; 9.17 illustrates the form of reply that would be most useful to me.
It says 3.19
